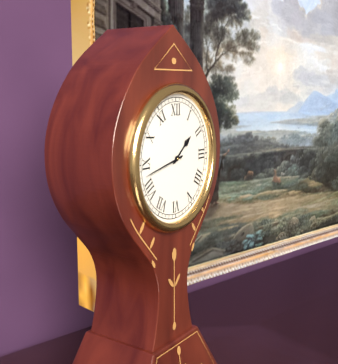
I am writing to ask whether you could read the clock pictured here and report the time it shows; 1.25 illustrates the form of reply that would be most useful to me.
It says 1.43
